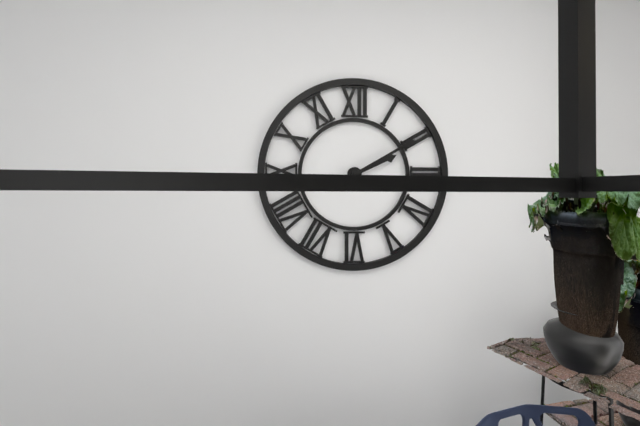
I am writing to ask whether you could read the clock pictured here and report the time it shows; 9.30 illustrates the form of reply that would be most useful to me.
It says 2.10
